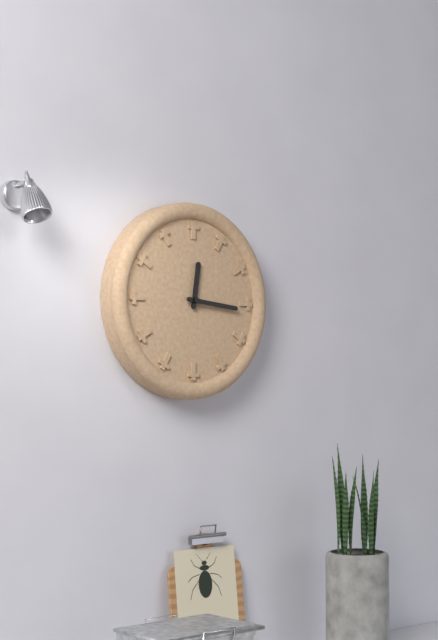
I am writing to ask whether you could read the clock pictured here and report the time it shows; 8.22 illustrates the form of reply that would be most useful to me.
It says 12.16
